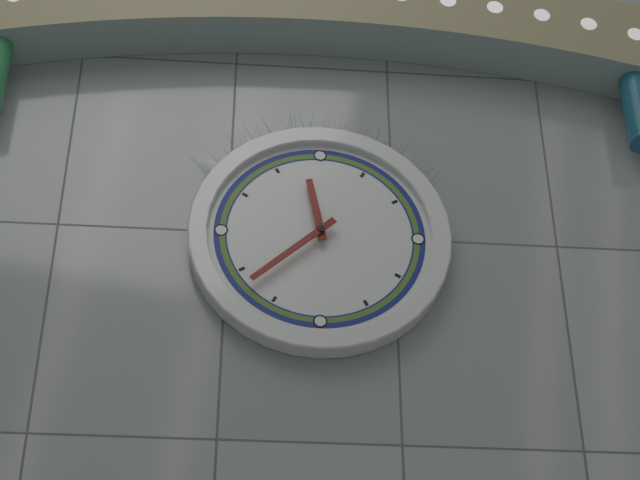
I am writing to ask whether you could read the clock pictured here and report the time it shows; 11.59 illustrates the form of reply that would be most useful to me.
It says 11.38
